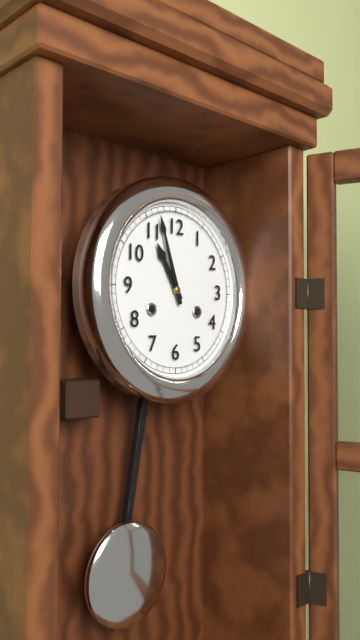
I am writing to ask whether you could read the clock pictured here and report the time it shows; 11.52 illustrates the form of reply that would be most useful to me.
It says 10.57
